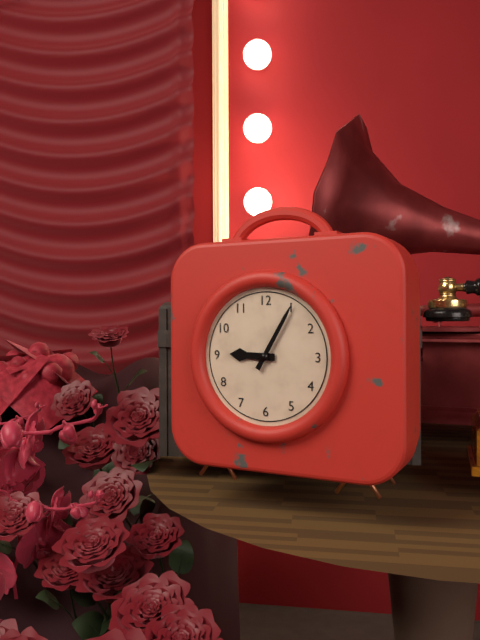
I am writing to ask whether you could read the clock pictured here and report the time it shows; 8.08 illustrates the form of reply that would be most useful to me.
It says 9.05
